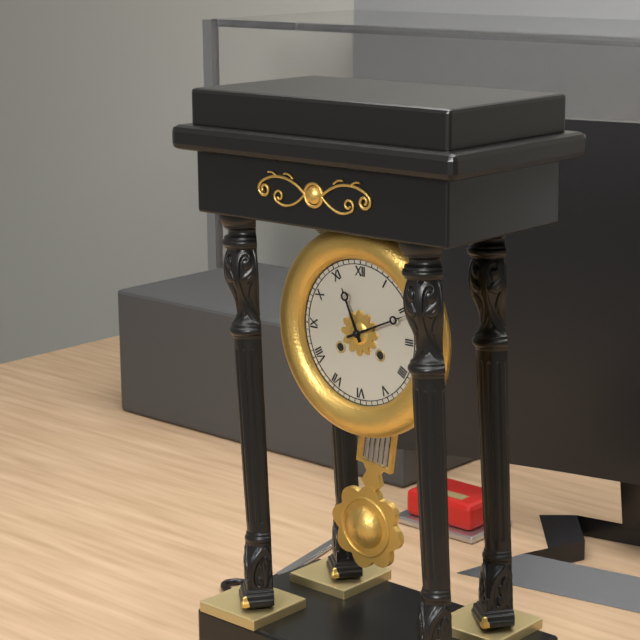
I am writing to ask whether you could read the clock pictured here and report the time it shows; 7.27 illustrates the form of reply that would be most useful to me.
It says 11.11
